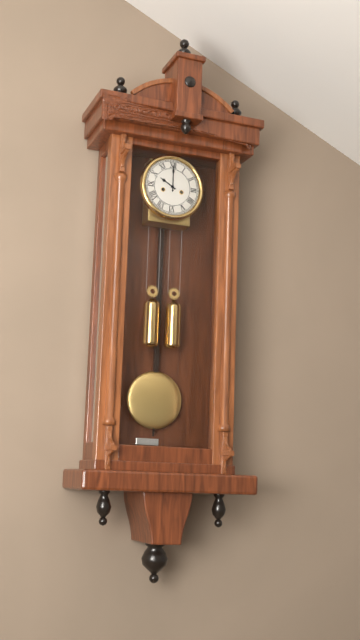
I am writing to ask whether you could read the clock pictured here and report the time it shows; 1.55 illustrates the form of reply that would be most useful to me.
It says 10.00
